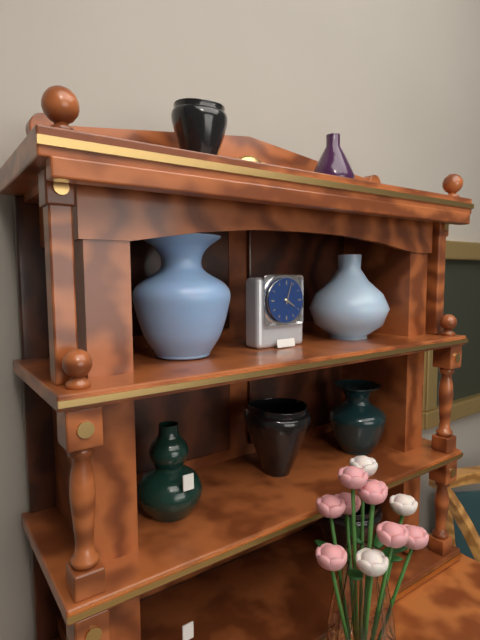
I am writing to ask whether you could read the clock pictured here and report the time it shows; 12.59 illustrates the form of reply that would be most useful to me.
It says 4.03
